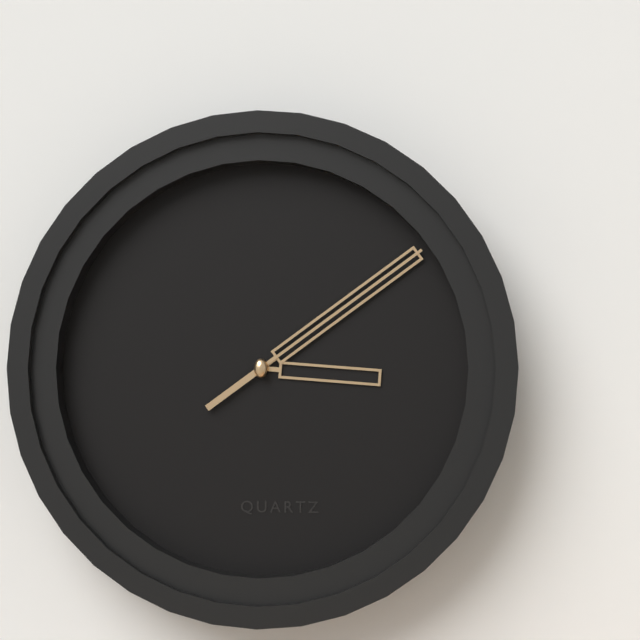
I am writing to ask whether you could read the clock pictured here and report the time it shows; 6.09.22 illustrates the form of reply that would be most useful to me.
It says 3.09.09
